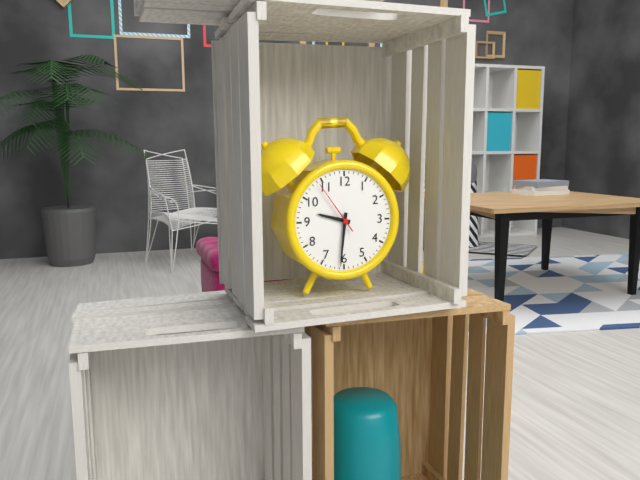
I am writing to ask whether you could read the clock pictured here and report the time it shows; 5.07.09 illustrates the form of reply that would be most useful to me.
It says 9.31.54
